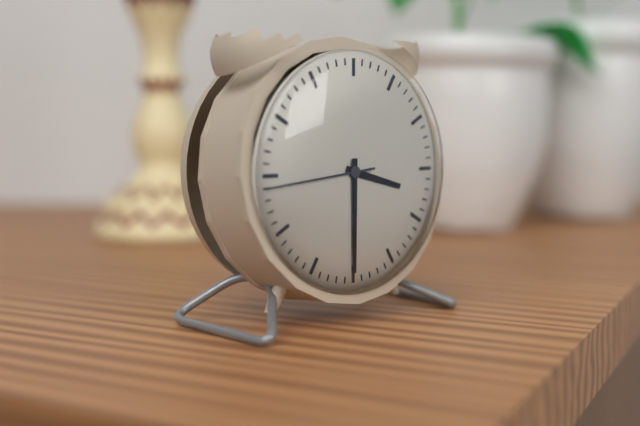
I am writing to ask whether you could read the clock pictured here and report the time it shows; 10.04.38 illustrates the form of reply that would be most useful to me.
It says 3.30.44
